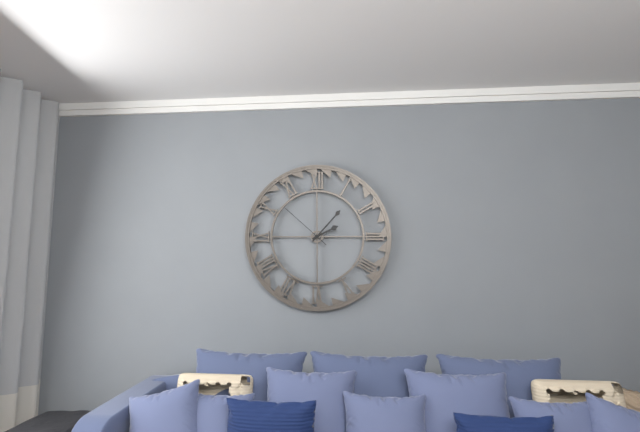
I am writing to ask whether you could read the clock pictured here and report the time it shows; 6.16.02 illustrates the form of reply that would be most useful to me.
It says 2.07.52
